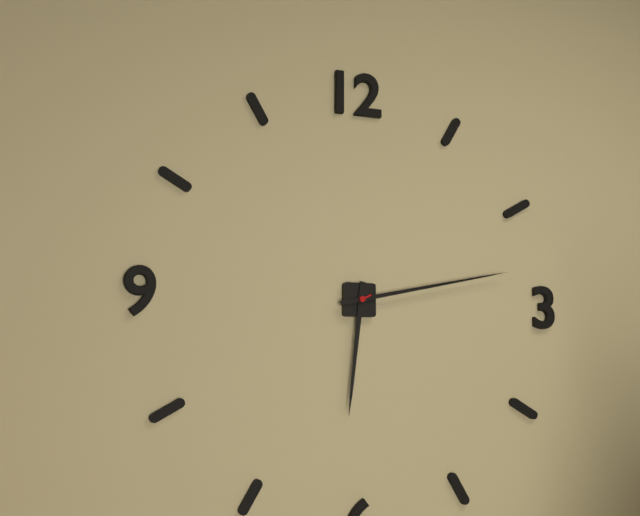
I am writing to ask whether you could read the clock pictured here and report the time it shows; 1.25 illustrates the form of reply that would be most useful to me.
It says 6.13
